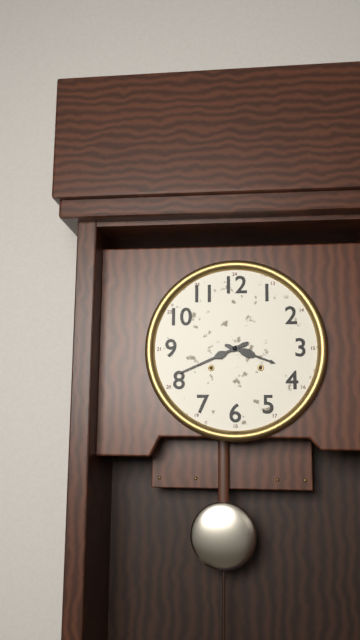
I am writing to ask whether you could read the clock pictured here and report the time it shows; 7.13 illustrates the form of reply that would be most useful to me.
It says 3.41
